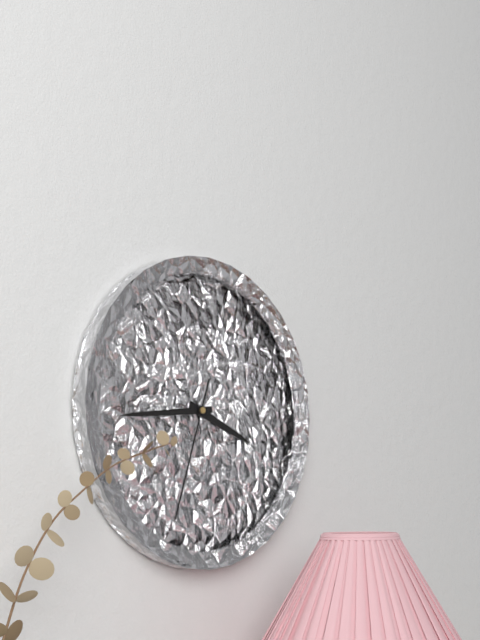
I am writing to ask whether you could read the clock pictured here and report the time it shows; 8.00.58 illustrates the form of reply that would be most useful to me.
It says 3.44.33
